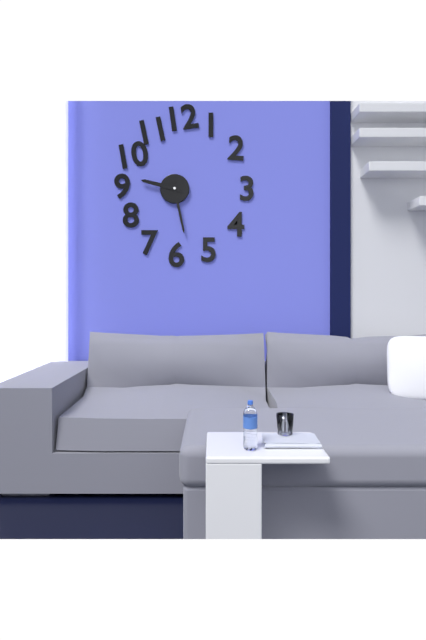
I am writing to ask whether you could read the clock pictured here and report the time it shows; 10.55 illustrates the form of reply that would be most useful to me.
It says 9.28
